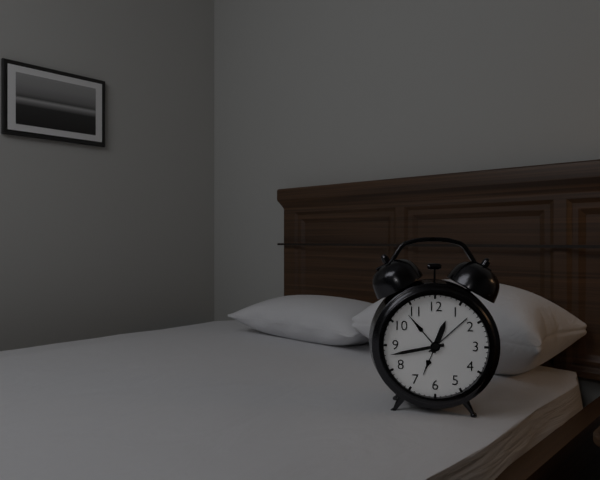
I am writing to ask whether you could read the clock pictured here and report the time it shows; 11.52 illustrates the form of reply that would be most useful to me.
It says 12.43
